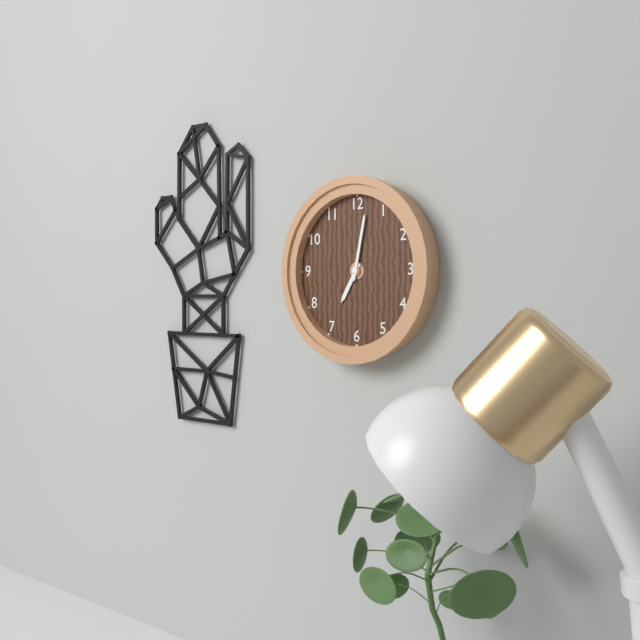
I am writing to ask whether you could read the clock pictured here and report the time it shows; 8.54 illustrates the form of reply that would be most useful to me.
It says 7.02
